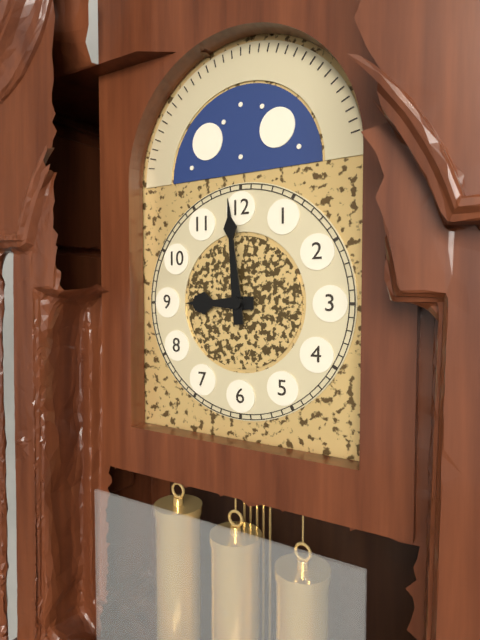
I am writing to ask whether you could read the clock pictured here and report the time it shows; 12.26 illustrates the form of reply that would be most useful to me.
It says 8.59
